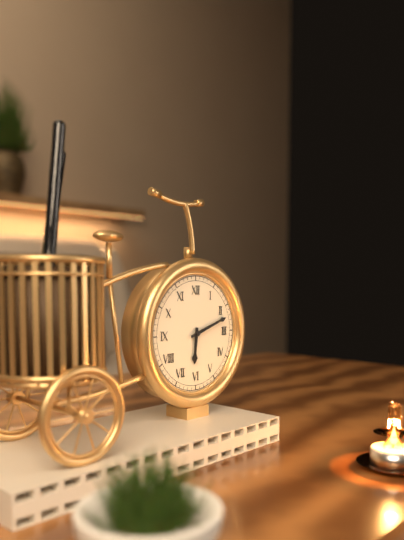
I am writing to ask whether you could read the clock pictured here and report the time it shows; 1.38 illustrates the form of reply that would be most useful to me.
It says 6.12
